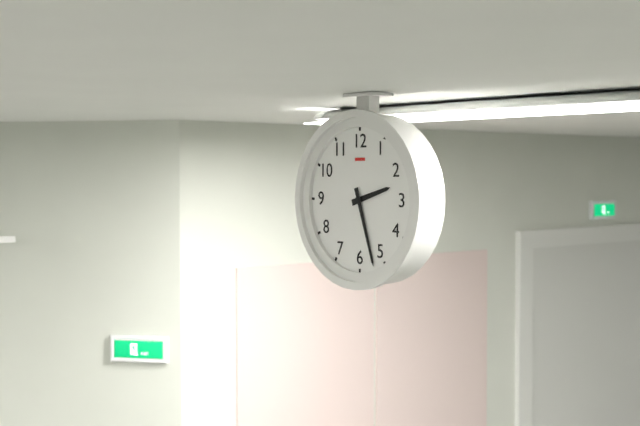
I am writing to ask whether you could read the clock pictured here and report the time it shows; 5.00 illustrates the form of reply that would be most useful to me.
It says 2.27
